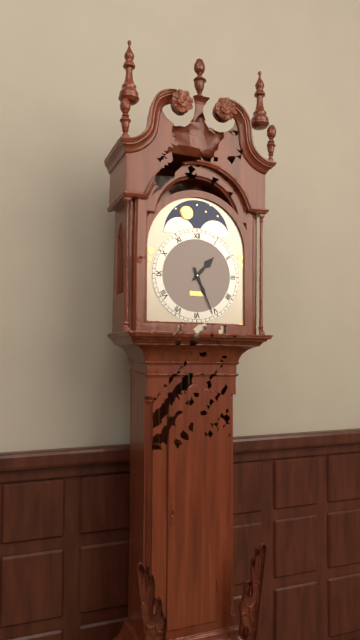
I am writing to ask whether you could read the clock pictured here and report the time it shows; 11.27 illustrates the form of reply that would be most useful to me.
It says 1.26
